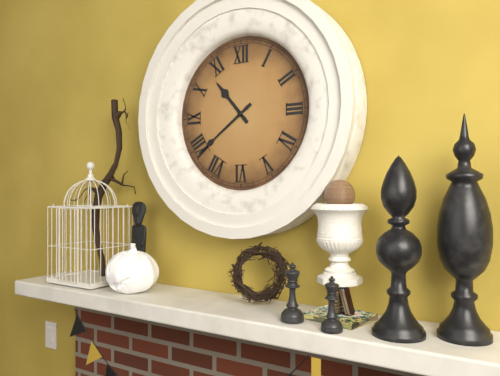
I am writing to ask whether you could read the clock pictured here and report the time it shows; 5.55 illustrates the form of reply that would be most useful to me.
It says 10.39
